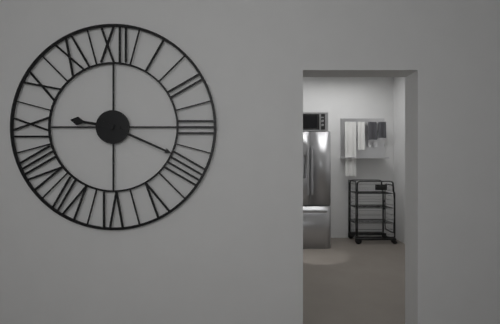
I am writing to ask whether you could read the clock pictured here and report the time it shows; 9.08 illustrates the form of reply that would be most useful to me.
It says 9.19
